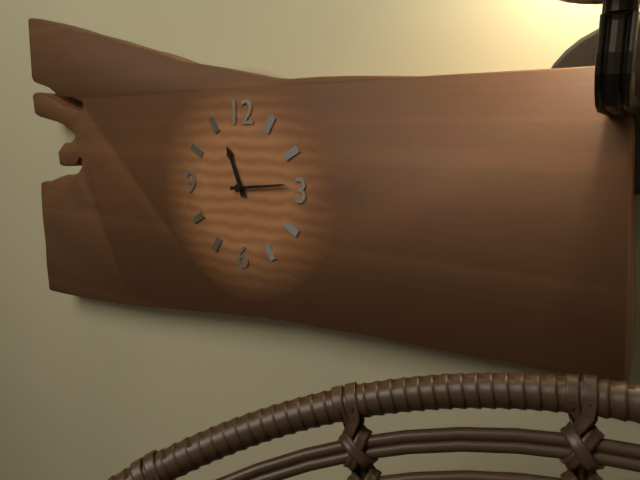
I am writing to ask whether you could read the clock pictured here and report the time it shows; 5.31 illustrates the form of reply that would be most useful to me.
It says 11.14
